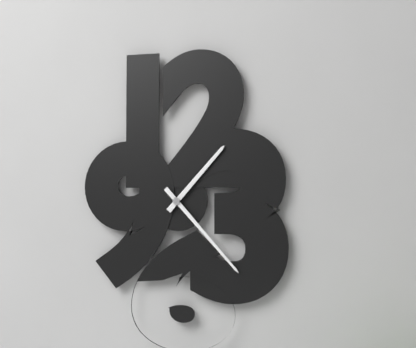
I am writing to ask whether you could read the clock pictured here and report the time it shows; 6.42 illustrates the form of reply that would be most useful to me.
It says 1.23
